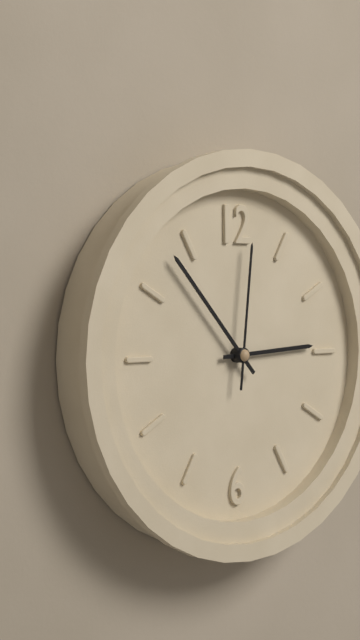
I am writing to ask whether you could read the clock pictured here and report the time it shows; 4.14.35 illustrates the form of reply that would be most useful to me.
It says 2.53.01
